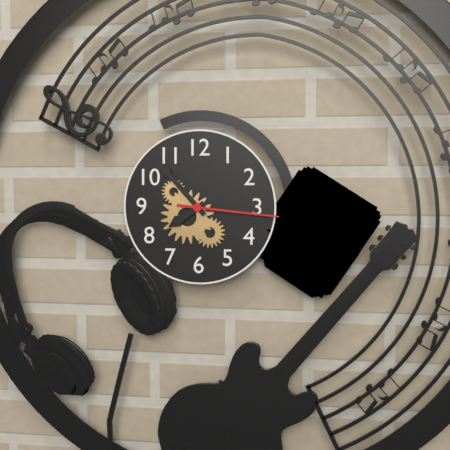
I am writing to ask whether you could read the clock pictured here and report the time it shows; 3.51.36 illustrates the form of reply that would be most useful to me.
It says 7.53.16
